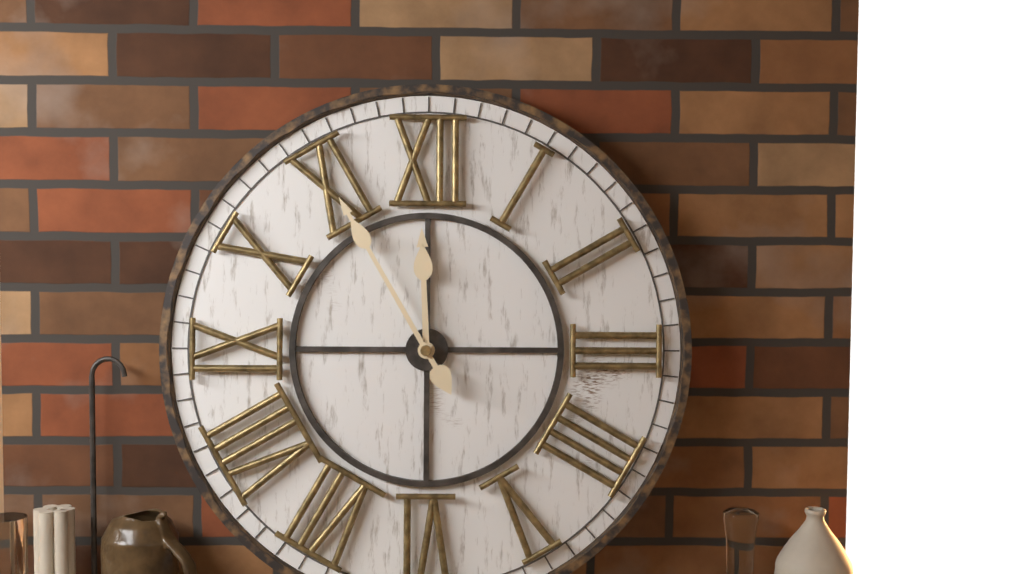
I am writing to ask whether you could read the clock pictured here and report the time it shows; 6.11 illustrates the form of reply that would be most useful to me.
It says 11.55
